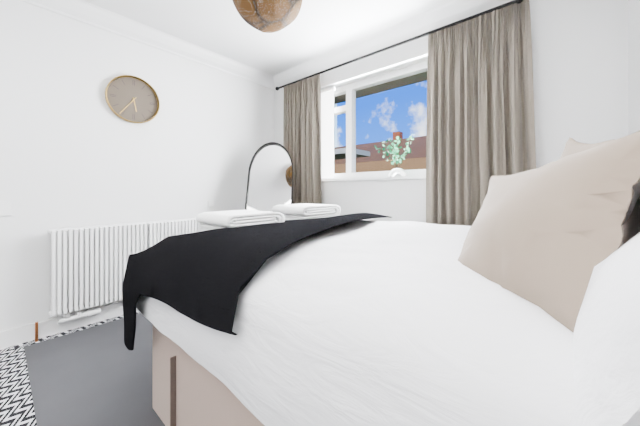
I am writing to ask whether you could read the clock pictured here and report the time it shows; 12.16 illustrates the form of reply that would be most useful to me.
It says 5.36
